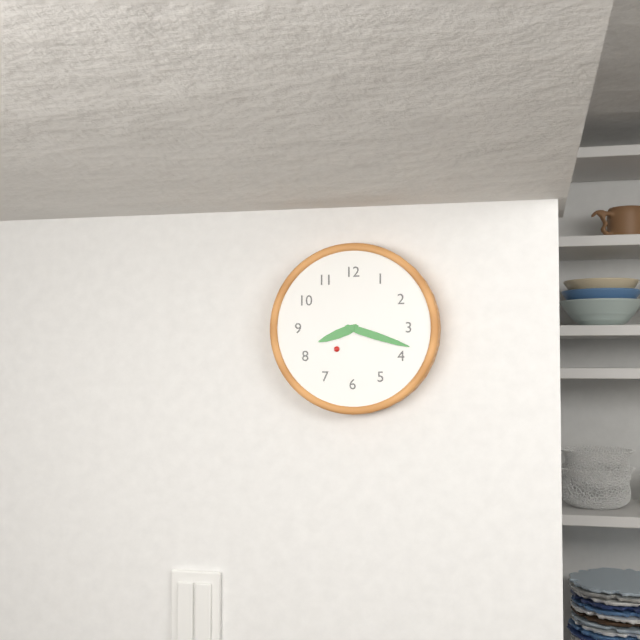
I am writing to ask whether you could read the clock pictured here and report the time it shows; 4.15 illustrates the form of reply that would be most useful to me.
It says 8.18
